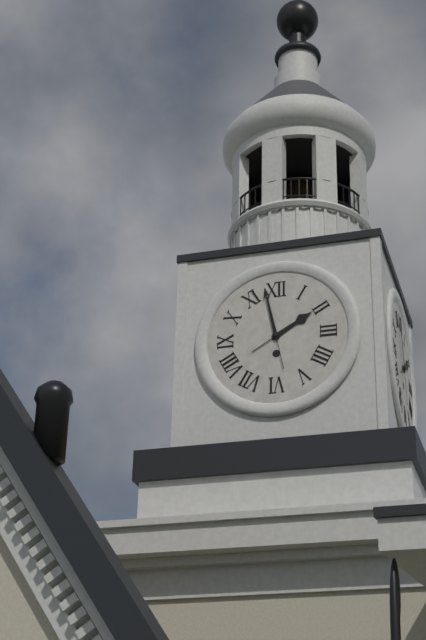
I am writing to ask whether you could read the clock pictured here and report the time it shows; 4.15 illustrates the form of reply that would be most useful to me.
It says 1.58
